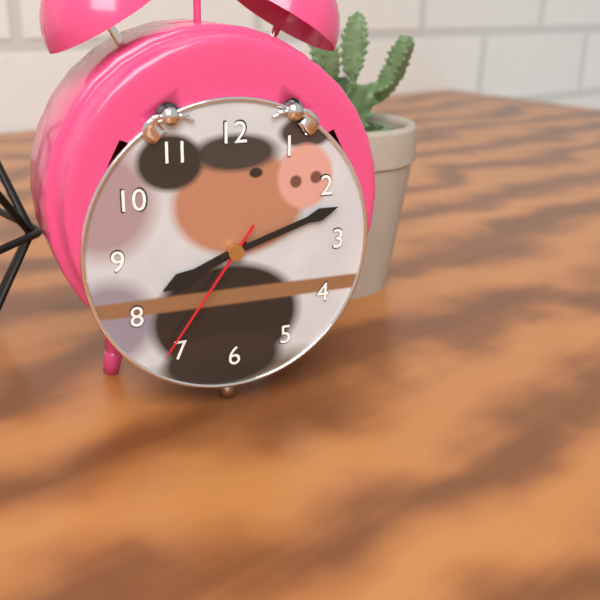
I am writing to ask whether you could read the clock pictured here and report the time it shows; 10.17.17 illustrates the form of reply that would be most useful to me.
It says 8.12.36
